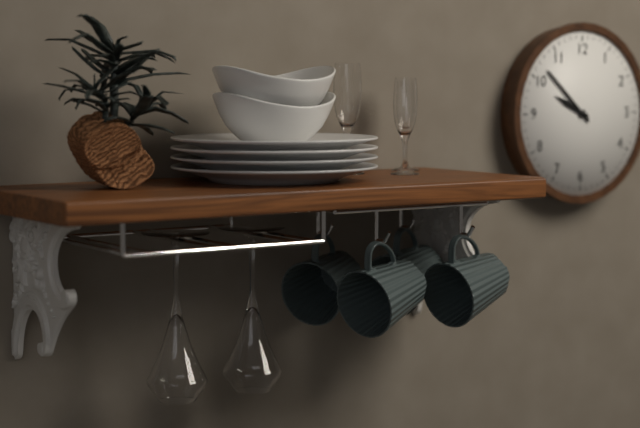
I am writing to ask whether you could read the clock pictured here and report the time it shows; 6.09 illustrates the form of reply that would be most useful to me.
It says 9.52
